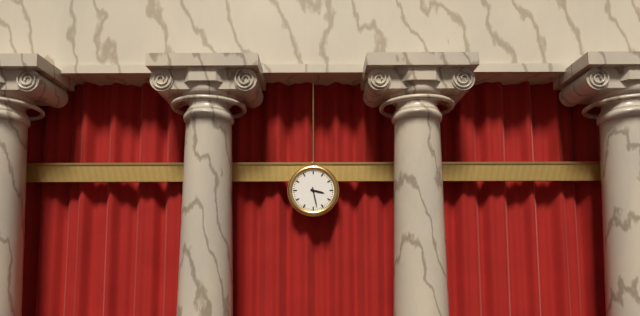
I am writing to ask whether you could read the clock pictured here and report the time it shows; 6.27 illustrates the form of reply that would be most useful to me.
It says 3.28
